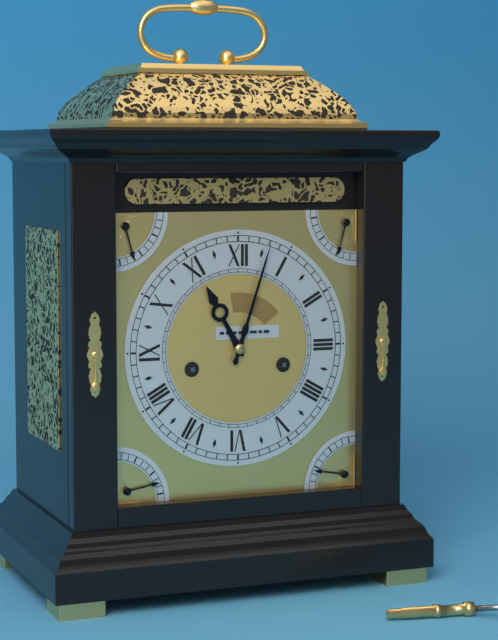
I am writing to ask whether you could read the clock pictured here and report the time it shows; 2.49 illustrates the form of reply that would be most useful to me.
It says 11.03
